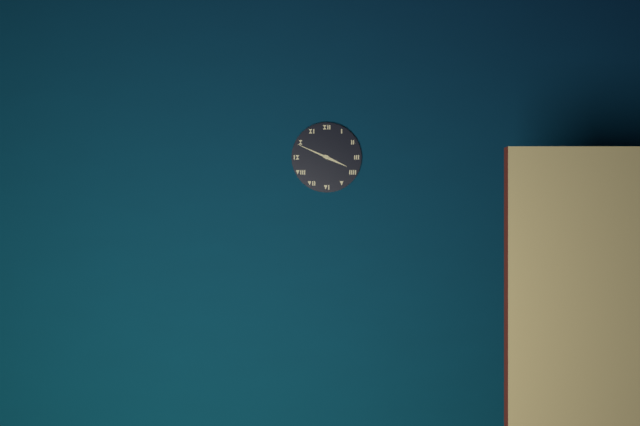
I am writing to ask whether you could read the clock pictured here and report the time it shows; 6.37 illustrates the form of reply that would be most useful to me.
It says 3.49
